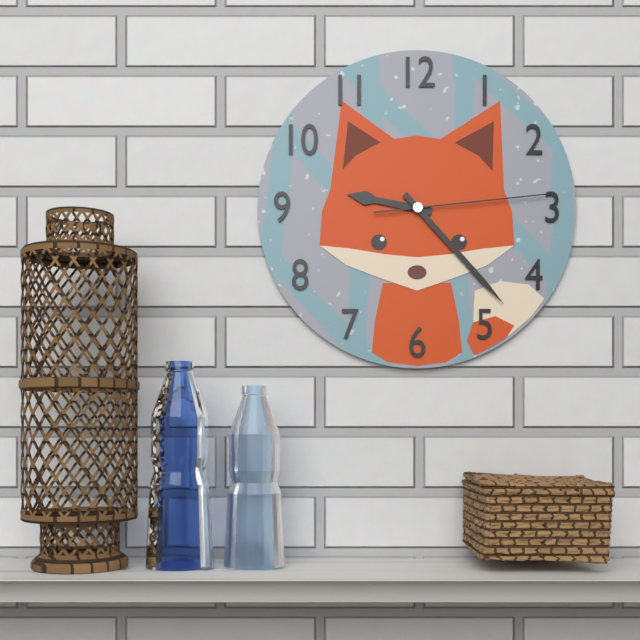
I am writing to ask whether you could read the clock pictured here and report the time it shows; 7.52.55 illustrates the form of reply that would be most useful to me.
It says 9.23.14
